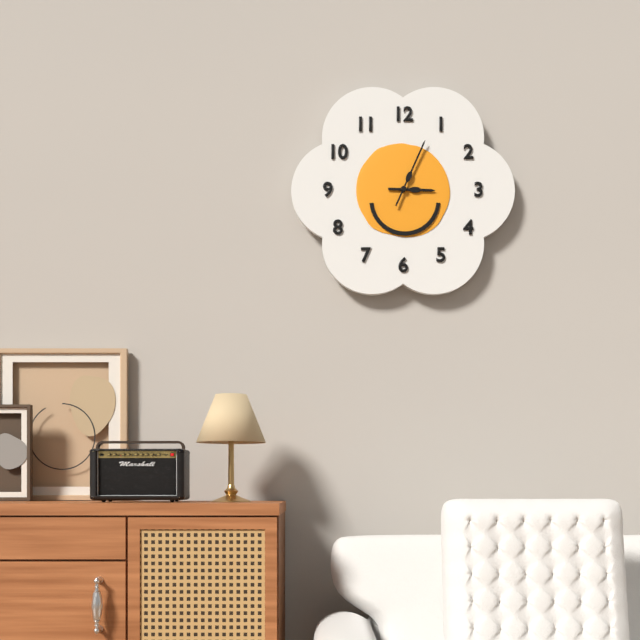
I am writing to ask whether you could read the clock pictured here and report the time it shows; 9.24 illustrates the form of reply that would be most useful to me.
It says 3.04
